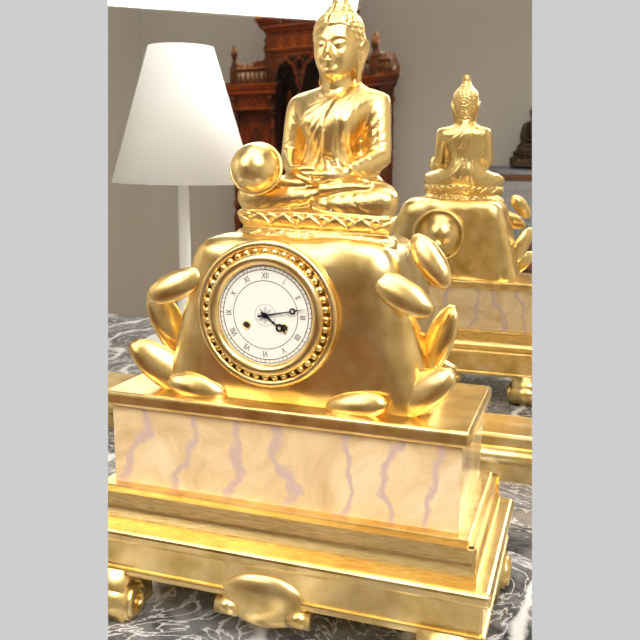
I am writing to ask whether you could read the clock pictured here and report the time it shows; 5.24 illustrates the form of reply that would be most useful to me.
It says 4.13
